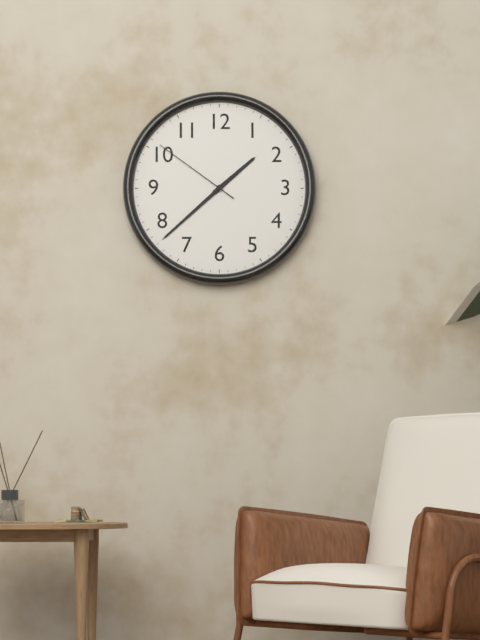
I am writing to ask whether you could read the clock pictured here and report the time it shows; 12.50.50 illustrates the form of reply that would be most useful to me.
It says 1.38.51
